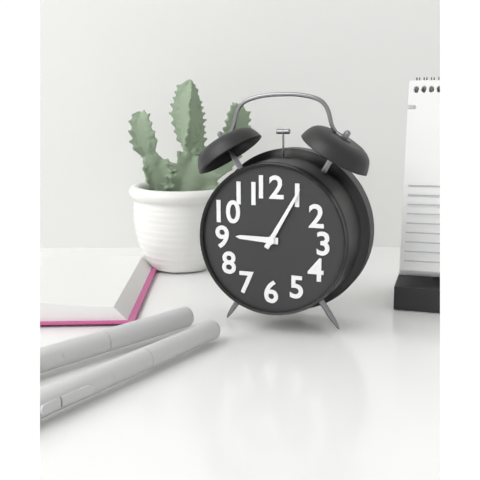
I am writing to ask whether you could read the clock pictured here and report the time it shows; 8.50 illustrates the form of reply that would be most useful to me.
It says 9.05
